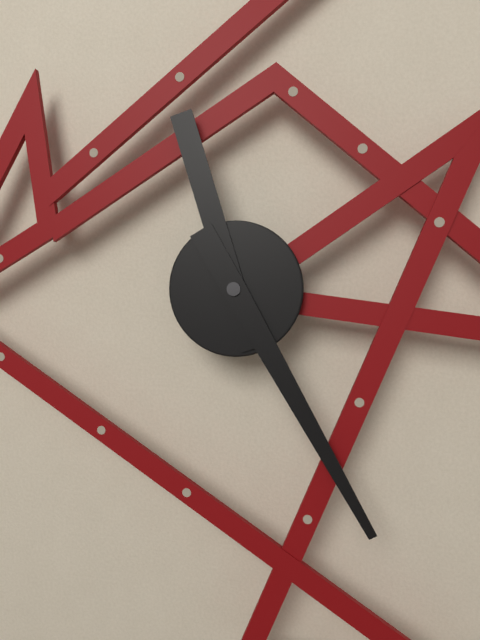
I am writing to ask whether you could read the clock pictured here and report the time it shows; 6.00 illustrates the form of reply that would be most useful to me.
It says 11.25
